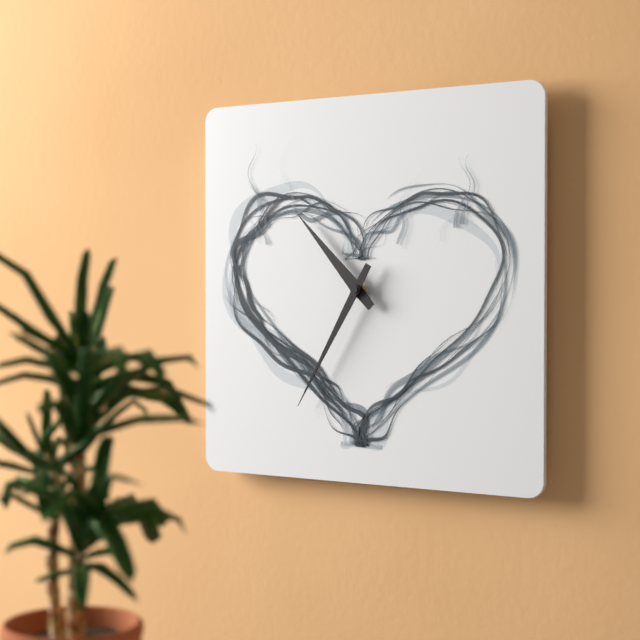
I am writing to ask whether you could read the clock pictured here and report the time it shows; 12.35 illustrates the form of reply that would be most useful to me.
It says 10.35
